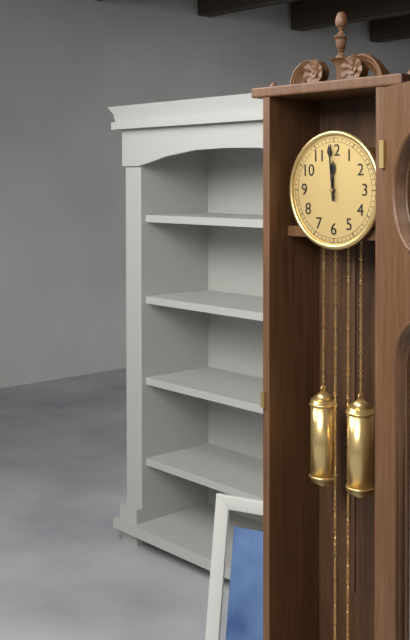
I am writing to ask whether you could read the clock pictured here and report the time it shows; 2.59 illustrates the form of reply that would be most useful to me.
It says 11.59
